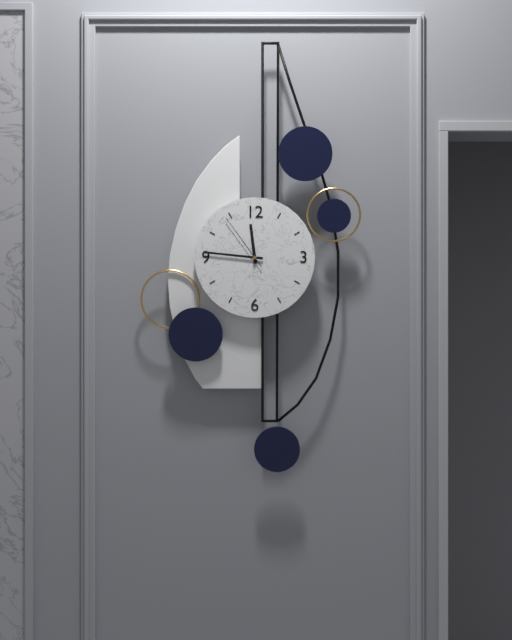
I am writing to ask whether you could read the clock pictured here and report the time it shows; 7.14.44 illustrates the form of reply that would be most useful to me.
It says 11.46.54
